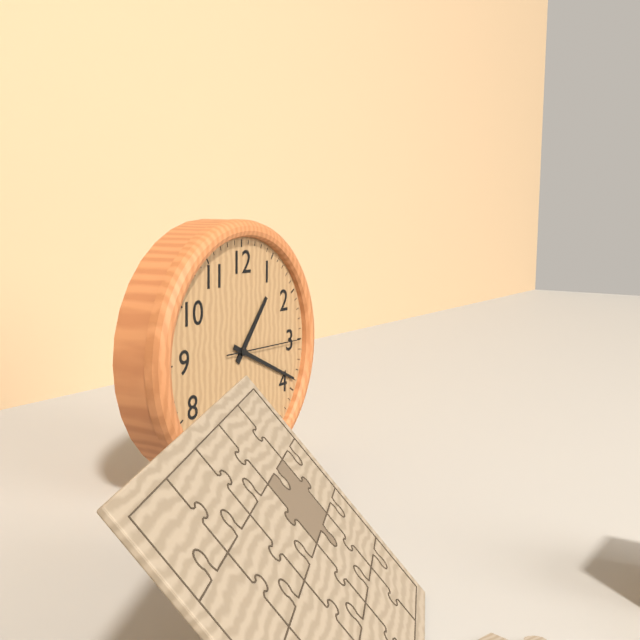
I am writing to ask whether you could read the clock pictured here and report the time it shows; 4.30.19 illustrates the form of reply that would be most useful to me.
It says 1.19.15
